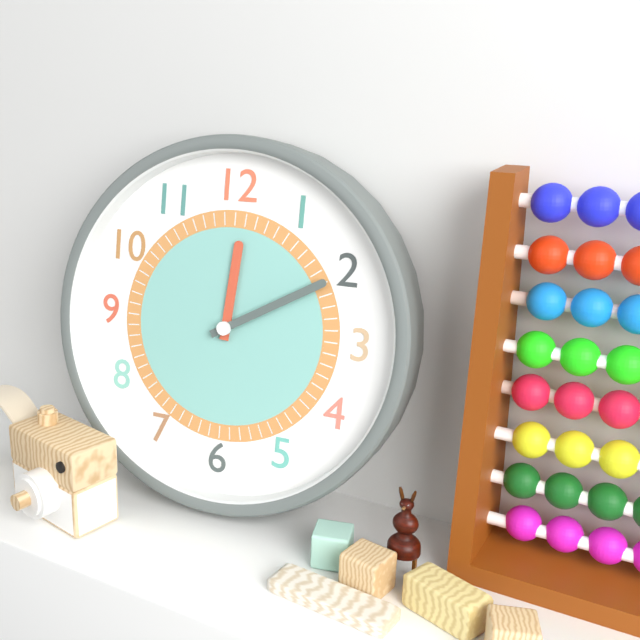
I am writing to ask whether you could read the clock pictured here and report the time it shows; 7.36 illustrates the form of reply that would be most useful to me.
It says 12.10
